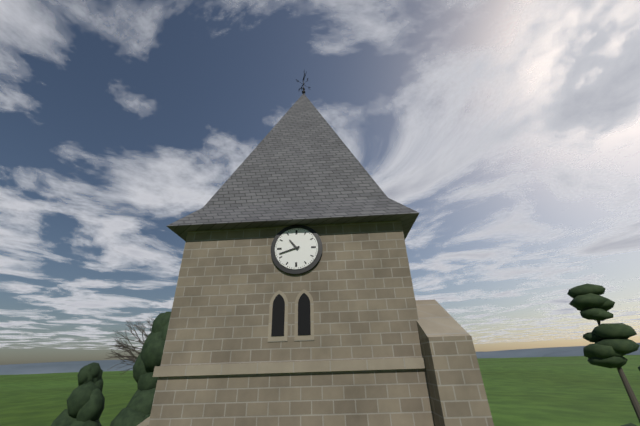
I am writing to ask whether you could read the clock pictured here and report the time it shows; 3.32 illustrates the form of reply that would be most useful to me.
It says 10.42
